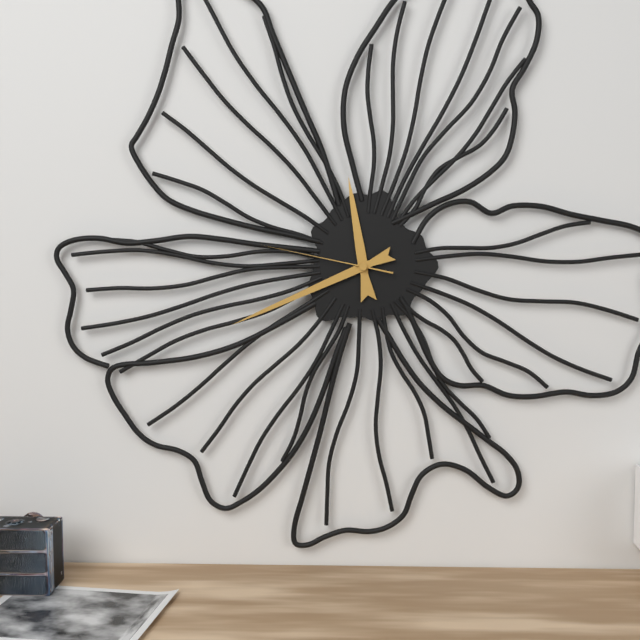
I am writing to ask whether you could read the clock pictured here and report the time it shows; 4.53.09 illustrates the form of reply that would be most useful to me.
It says 11.41.47
